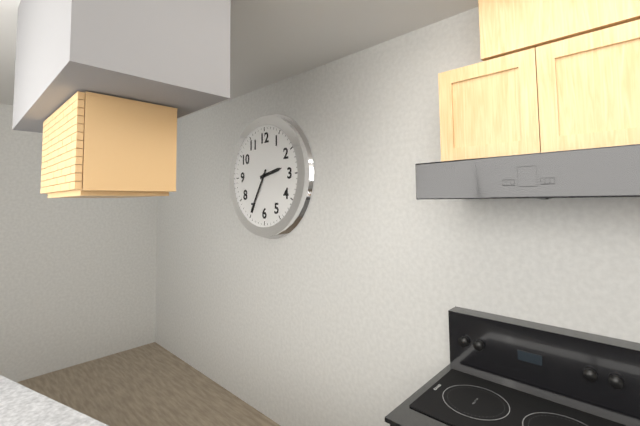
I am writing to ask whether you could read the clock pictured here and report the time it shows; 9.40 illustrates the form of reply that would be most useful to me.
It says 2.35
